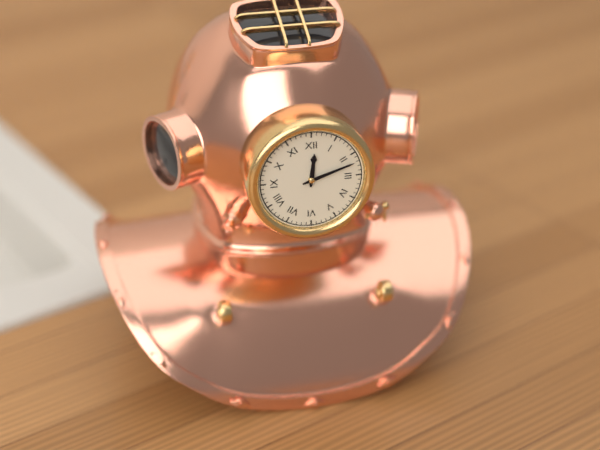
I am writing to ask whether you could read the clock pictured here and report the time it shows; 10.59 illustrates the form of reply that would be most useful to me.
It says 12.12
